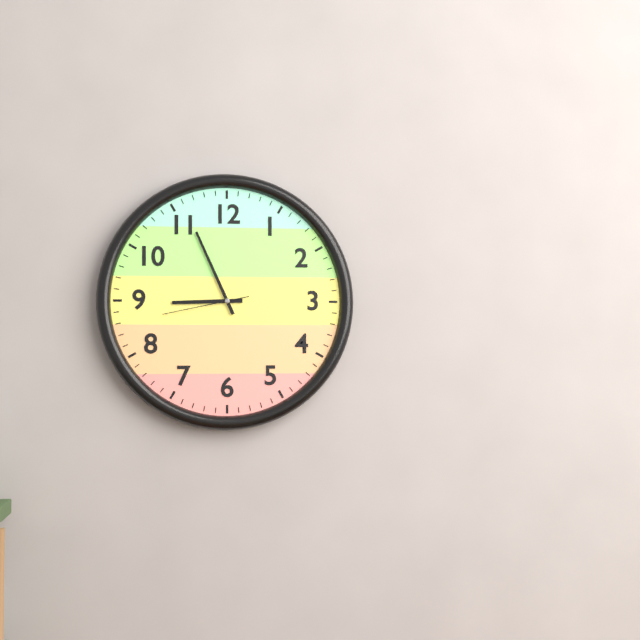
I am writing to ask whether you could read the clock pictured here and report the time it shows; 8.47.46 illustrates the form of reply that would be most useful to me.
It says 8.56.43
